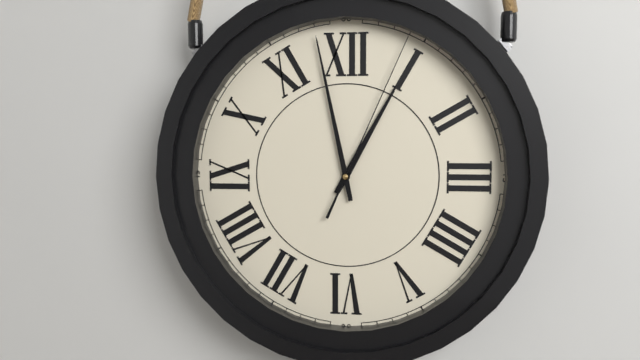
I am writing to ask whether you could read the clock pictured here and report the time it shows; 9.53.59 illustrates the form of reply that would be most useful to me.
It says 12.58.04
